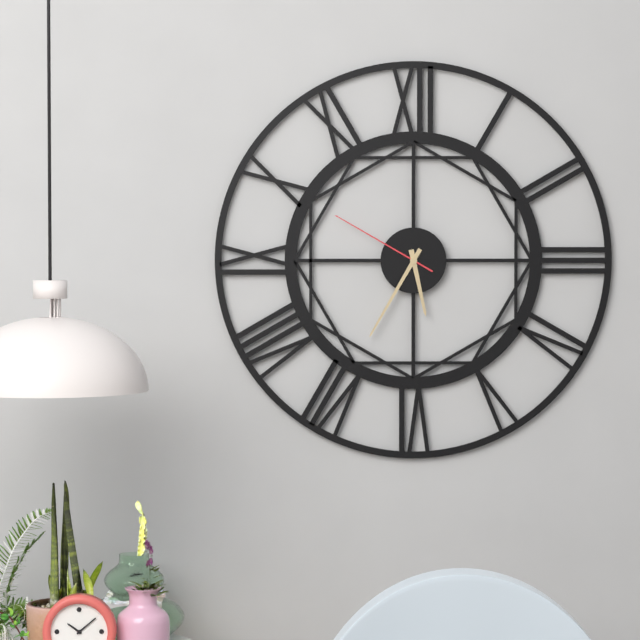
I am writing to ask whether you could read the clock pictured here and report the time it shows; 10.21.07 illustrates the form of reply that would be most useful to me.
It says 5.35.50
